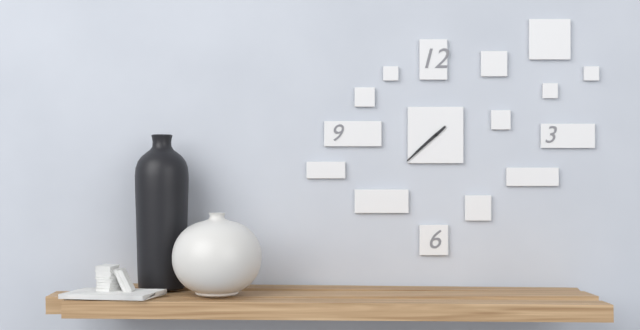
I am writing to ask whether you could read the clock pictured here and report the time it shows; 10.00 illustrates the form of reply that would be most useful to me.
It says 7.38
